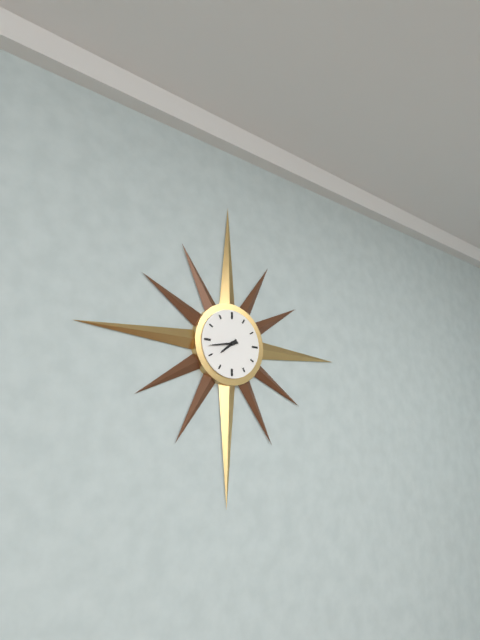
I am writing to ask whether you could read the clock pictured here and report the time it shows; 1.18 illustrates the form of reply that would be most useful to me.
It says 7.43
